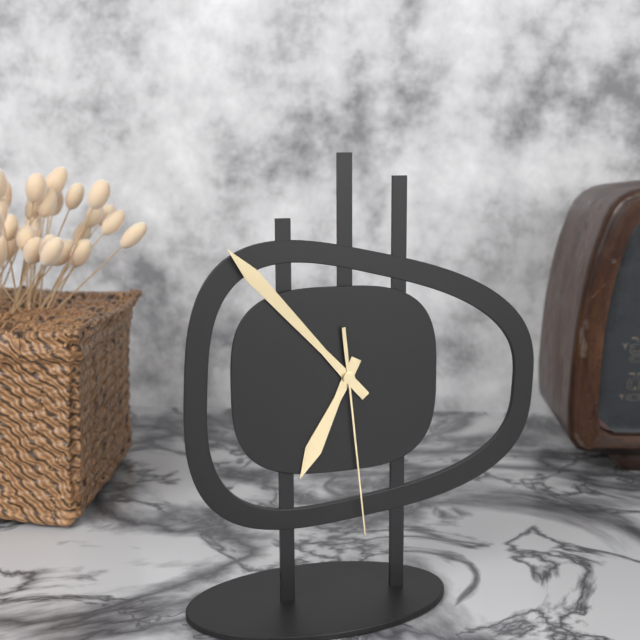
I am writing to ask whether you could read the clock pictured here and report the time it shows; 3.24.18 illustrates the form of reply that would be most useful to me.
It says 6.53.29
